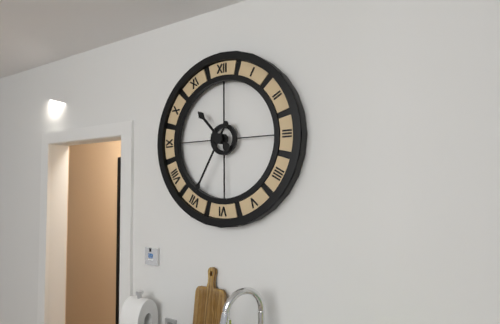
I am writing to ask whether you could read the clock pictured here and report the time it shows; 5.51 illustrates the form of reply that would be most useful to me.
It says 10.35
